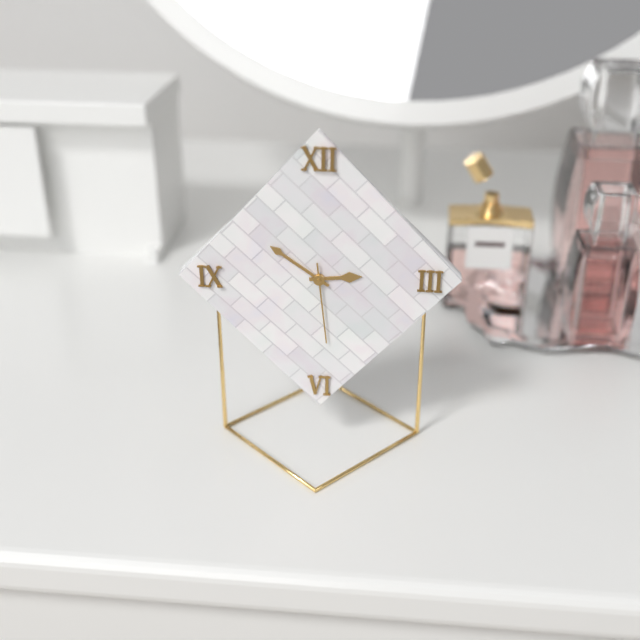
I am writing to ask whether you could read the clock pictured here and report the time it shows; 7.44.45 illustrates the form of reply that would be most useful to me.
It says 2.51.29
